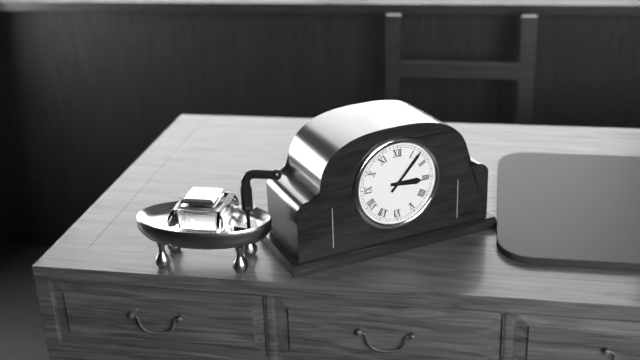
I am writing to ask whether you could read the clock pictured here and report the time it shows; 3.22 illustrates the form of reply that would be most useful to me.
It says 3.07
